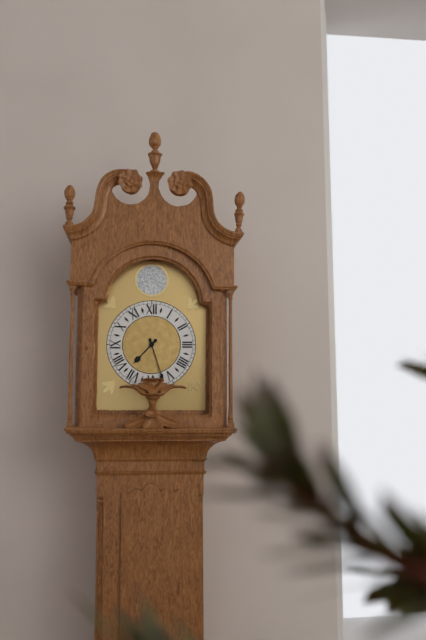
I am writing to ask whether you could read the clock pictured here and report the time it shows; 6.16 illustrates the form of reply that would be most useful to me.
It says 7.27
